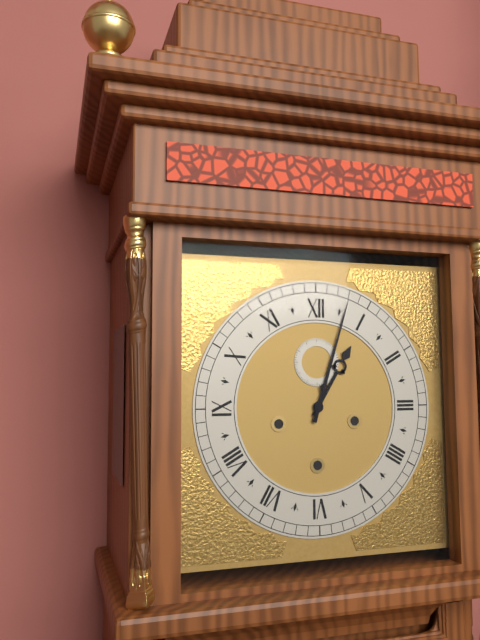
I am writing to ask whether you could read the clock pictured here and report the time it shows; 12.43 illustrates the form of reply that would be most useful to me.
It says 1.03
